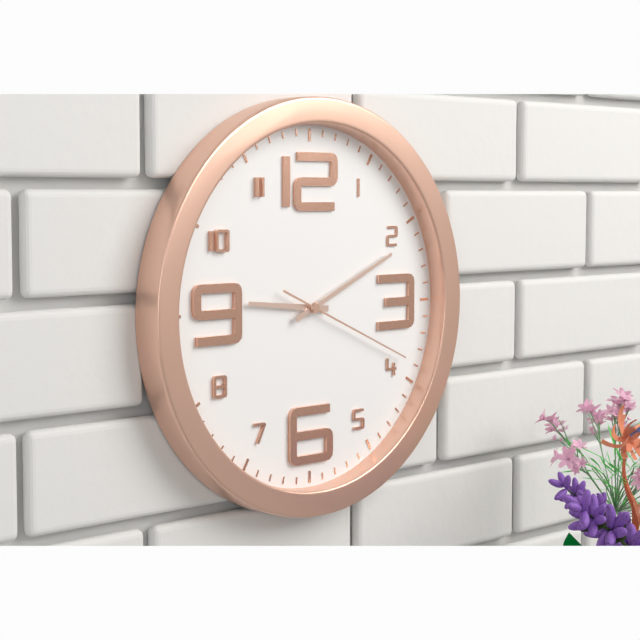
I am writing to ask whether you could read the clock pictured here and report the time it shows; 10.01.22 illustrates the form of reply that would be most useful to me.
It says 9.11.19
